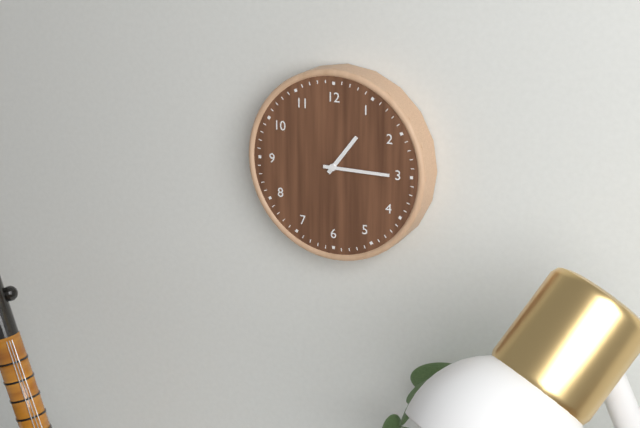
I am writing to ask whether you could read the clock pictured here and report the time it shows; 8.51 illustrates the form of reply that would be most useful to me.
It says 1.15
